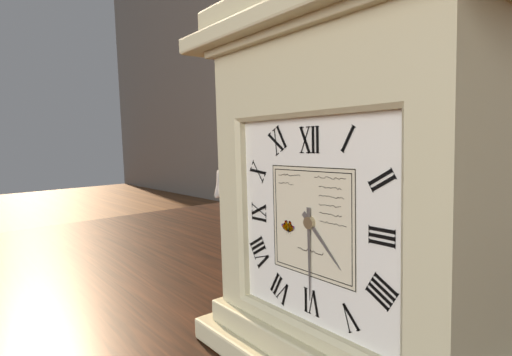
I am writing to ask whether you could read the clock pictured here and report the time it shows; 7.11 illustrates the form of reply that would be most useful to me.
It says 4.30
